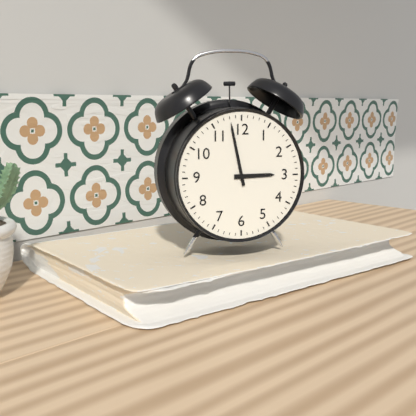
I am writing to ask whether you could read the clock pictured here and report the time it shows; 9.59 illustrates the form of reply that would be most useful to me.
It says 2.58
